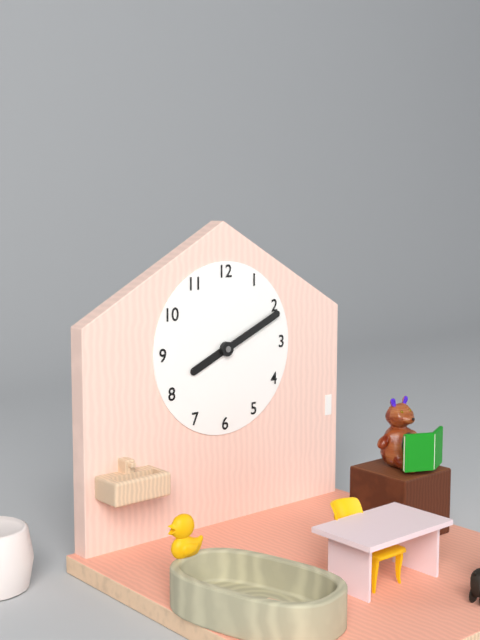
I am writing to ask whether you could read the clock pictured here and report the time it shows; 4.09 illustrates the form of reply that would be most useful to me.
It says 8.11
